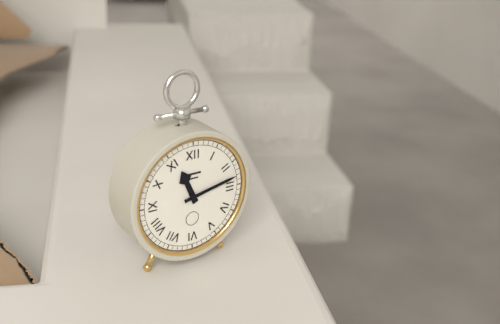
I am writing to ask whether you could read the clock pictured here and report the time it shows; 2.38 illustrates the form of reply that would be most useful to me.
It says 11.13
